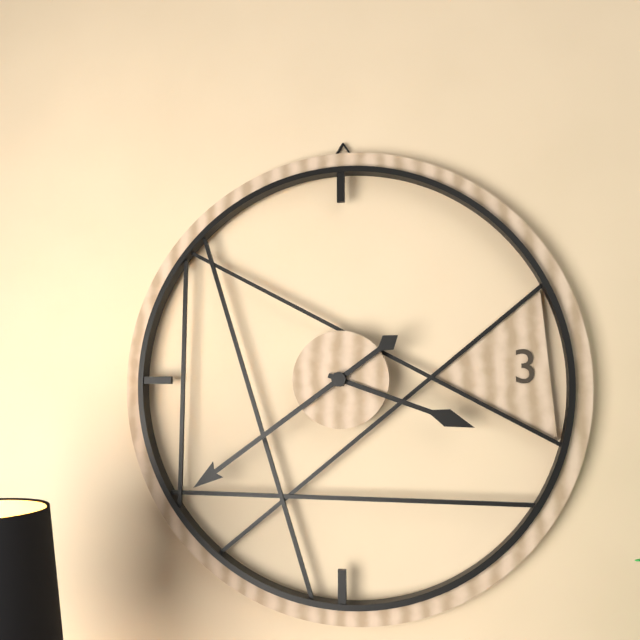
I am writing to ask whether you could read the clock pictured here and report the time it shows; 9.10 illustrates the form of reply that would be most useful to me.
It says 3.39
